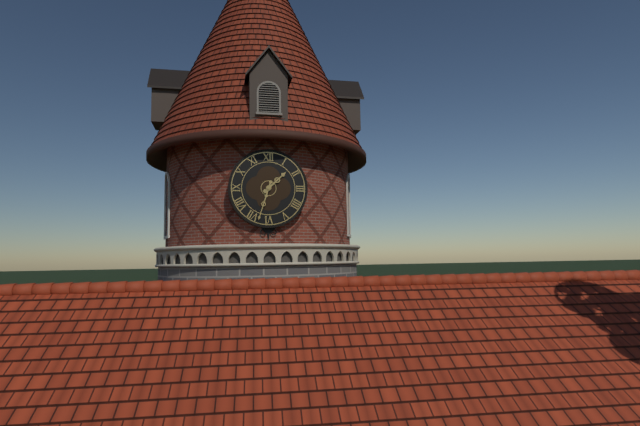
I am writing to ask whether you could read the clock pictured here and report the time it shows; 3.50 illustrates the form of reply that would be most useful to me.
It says 1.33
